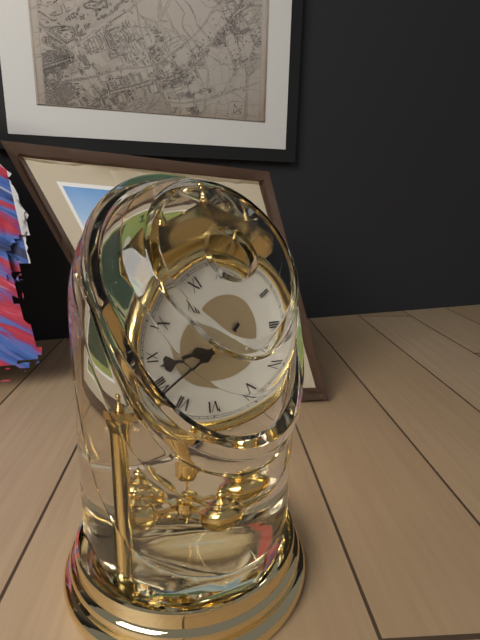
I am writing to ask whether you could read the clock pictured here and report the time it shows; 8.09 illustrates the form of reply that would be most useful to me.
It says 8.39
